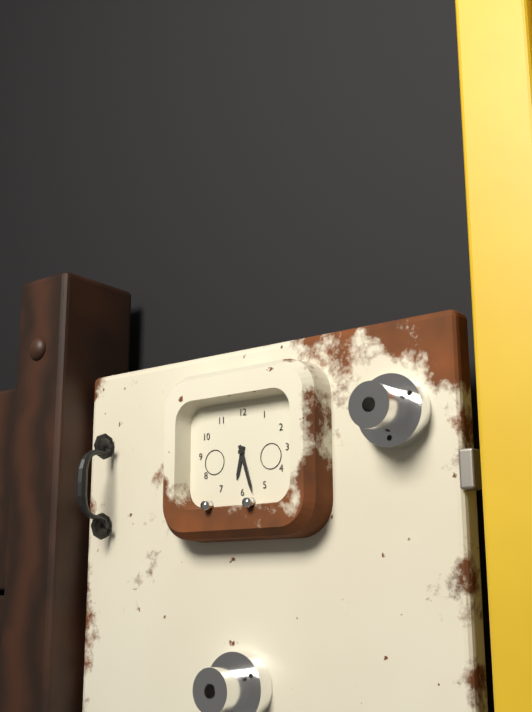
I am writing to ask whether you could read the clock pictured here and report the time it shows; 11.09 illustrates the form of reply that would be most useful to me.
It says 6.27
